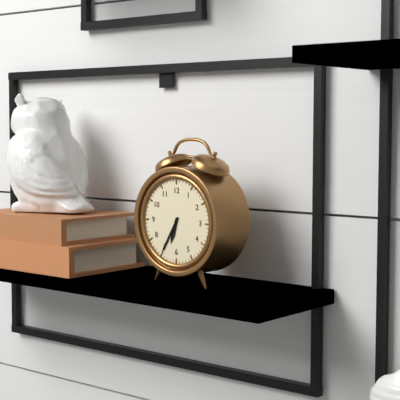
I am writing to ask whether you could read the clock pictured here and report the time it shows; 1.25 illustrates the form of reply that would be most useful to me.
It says 6.35
